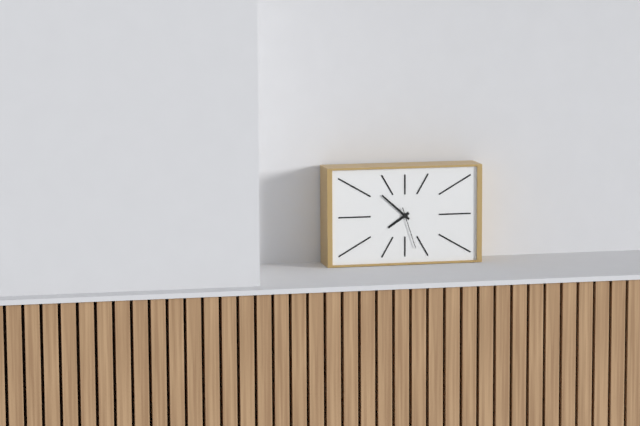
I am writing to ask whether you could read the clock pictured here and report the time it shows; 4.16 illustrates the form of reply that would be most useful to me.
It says 7.52
